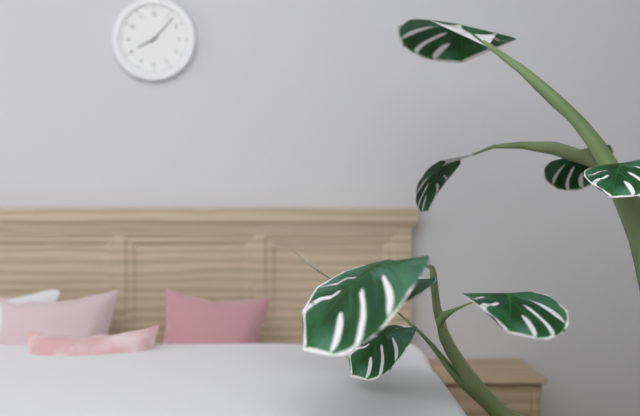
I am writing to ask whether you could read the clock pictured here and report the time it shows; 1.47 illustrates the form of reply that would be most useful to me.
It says 8.07
